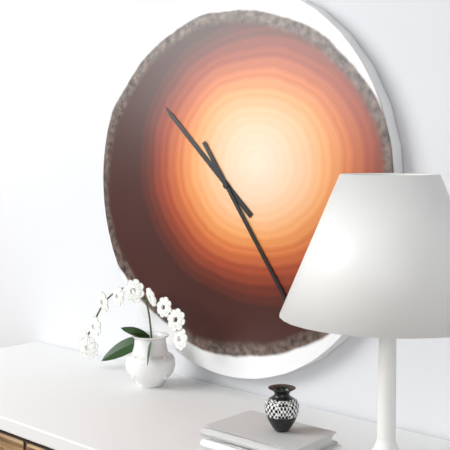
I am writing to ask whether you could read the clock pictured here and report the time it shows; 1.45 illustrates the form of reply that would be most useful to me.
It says 10.24
